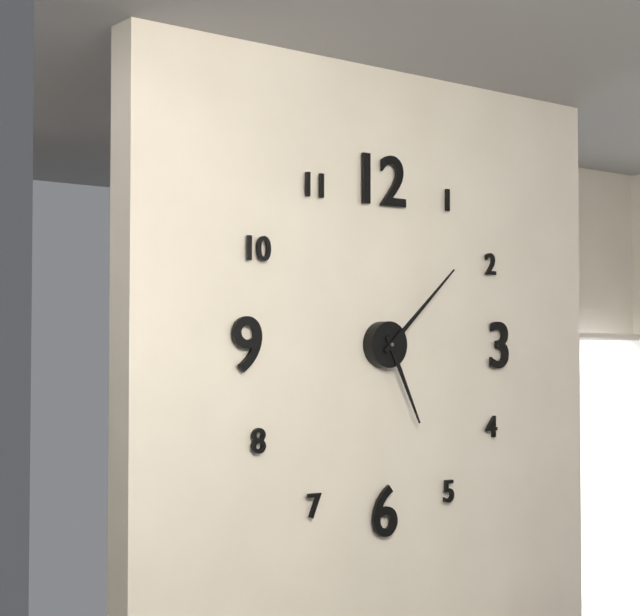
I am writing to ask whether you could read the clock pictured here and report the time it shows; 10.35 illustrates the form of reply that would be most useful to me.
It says 5.08
